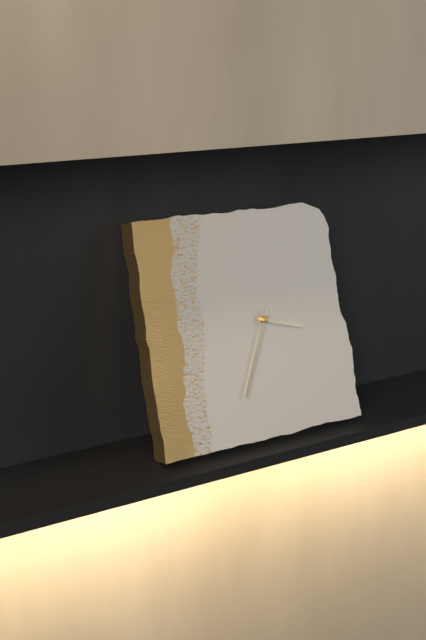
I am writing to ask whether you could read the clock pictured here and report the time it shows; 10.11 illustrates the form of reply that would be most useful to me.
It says 3.34
